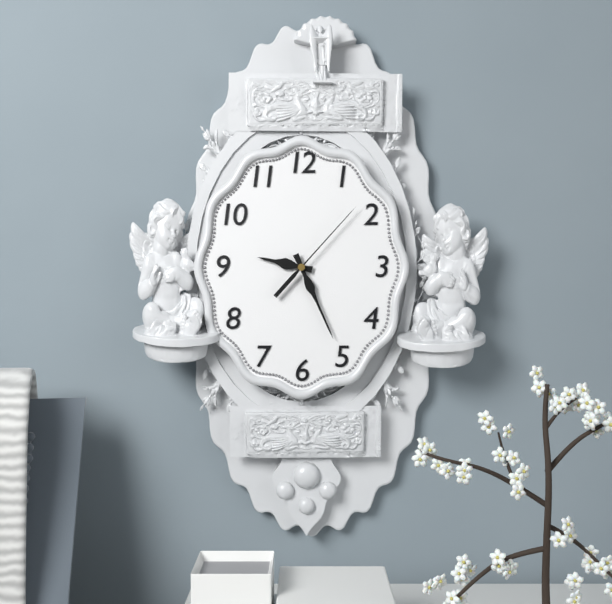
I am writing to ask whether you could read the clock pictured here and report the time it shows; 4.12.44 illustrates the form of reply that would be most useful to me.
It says 9.26.07
